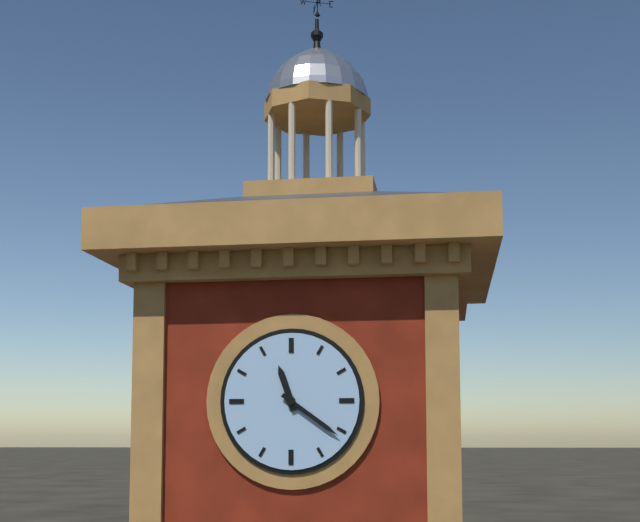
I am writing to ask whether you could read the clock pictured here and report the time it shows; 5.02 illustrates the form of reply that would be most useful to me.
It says 11.21
